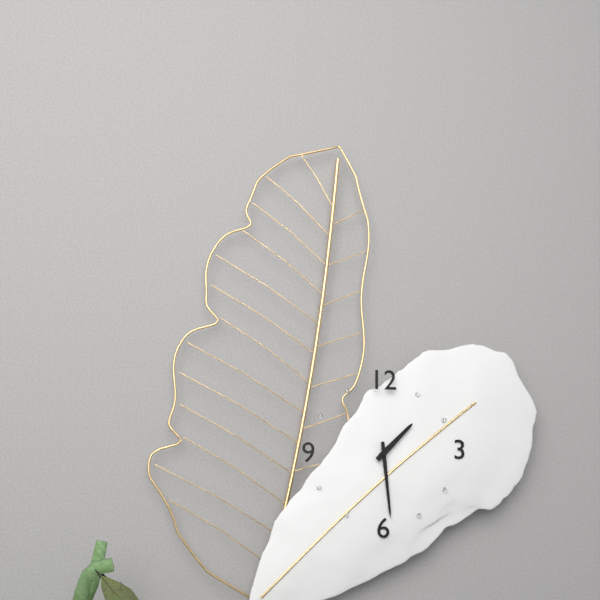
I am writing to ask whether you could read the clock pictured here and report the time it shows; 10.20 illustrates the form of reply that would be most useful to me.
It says 1.29
